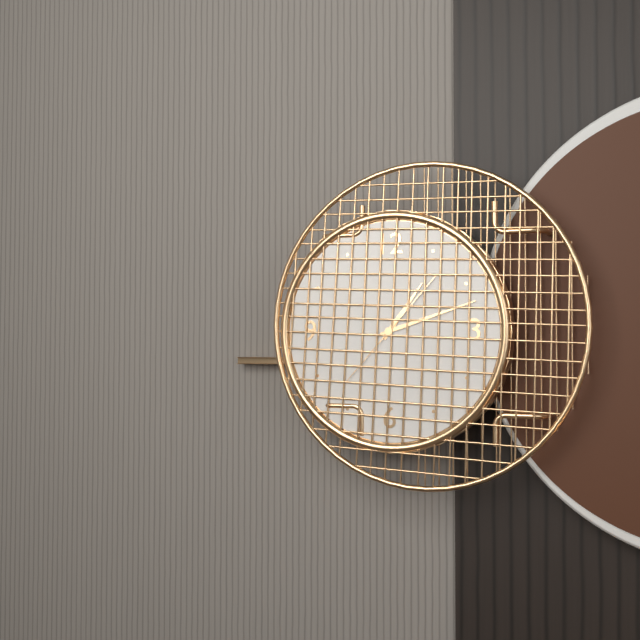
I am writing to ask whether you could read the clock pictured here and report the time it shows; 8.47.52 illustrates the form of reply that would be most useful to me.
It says 1.12.07
